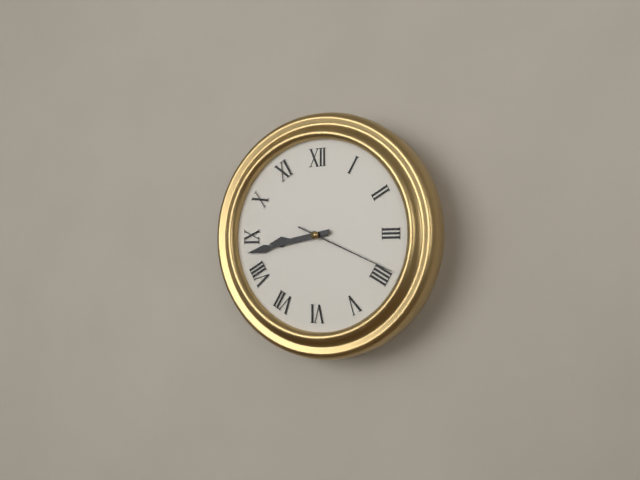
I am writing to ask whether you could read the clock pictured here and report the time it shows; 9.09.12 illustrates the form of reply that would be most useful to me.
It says 8.43.19
